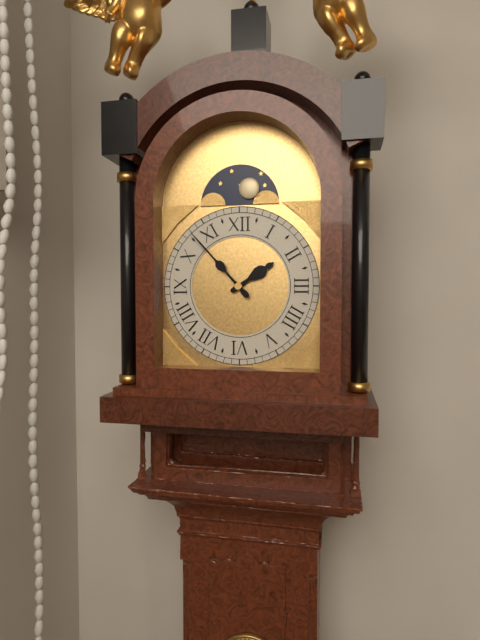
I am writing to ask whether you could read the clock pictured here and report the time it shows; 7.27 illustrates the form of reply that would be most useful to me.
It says 1.53
